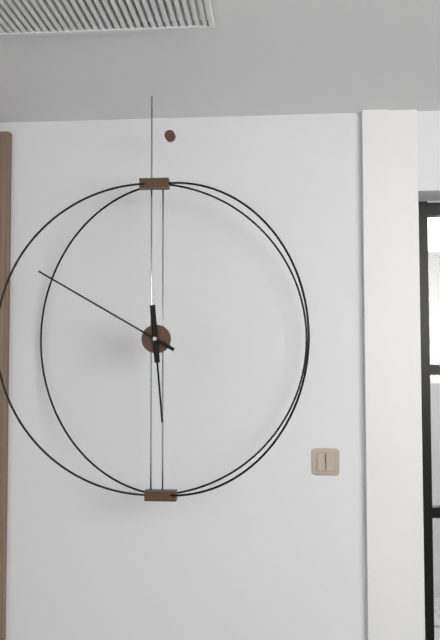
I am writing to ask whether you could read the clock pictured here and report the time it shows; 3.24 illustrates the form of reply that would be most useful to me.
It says 5.50
